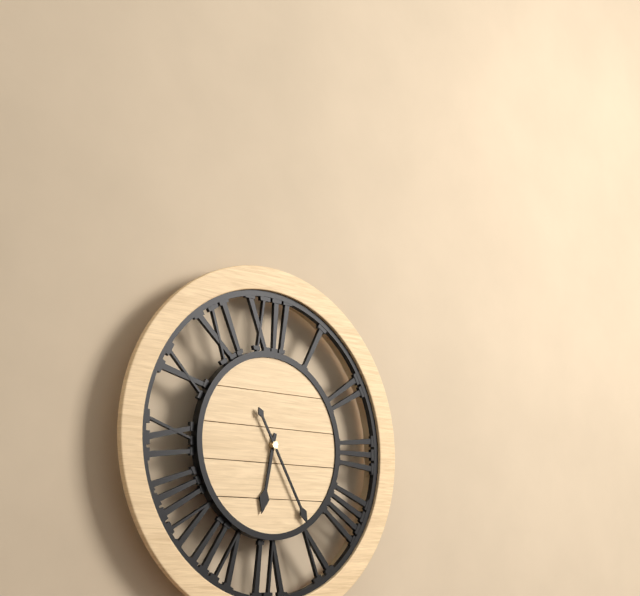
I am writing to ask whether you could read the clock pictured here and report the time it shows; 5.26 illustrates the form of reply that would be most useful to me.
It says 6.25
